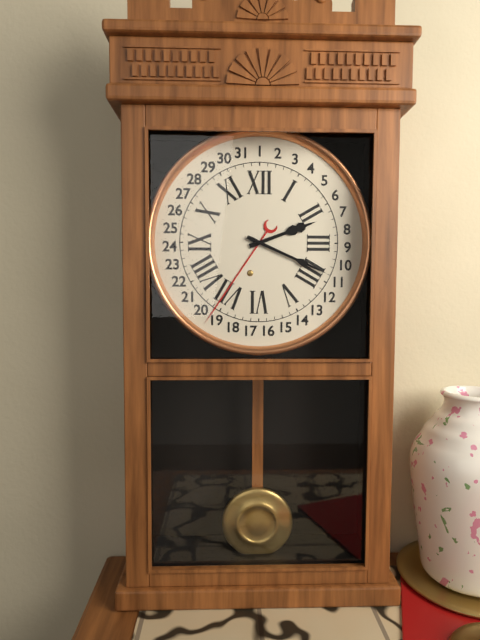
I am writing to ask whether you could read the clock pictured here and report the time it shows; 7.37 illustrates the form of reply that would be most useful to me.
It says 2.19
